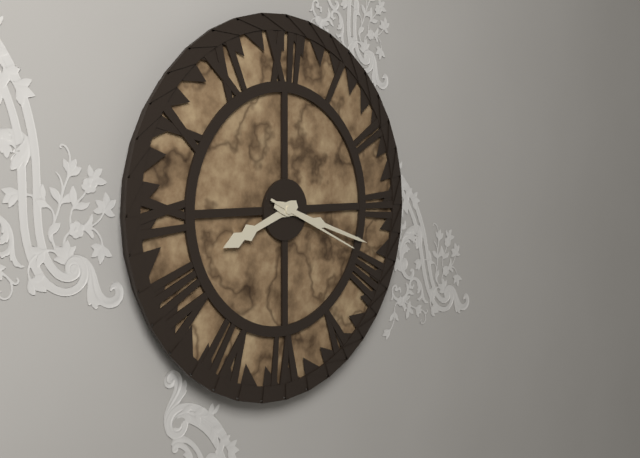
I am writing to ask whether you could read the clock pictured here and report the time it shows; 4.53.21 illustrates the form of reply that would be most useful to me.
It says 8.18.19
